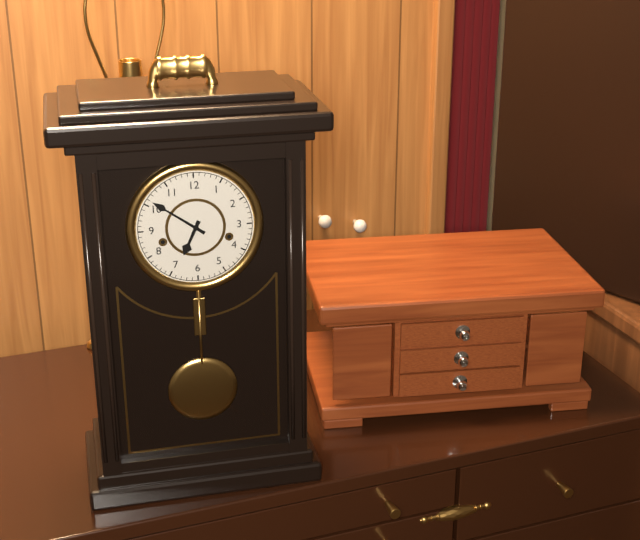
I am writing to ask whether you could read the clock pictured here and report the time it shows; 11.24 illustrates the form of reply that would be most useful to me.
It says 6.51
